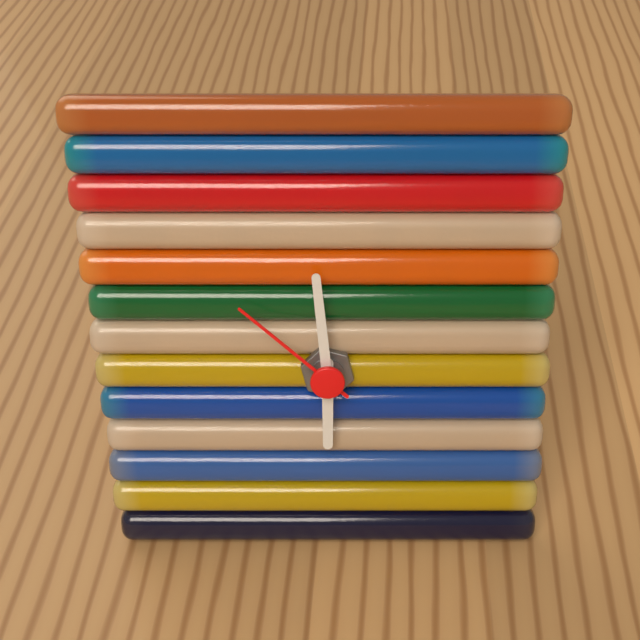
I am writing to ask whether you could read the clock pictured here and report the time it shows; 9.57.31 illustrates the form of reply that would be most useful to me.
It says 5.59.52
